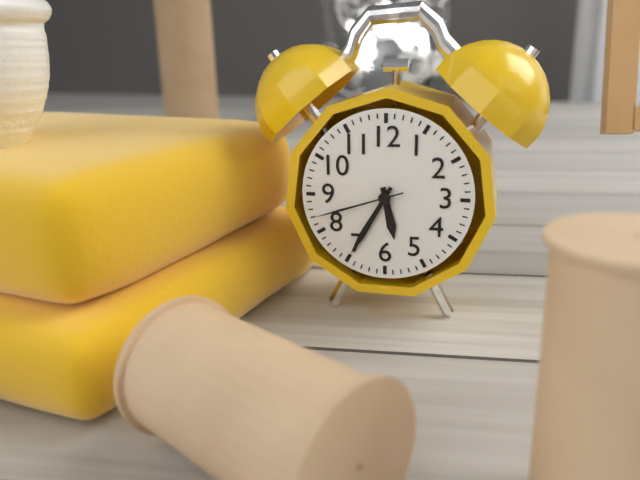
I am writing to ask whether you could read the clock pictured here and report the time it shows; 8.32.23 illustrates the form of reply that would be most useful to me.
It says 5.35.42
